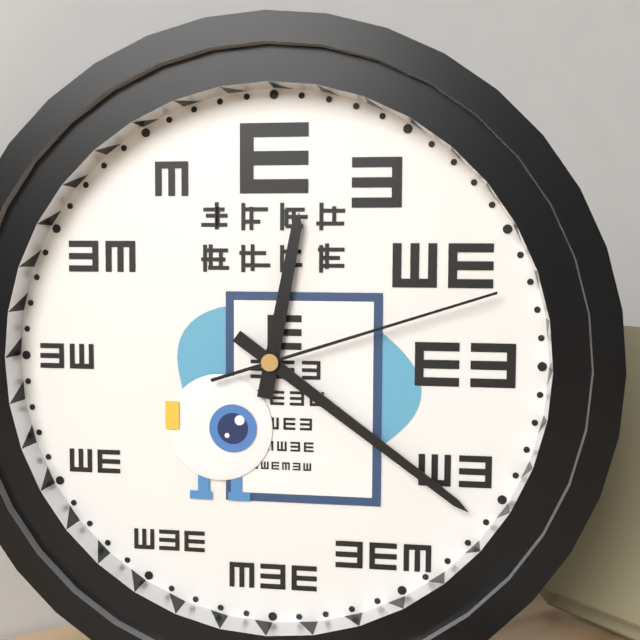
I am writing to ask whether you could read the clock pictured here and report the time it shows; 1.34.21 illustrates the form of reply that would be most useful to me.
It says 12.21.12
